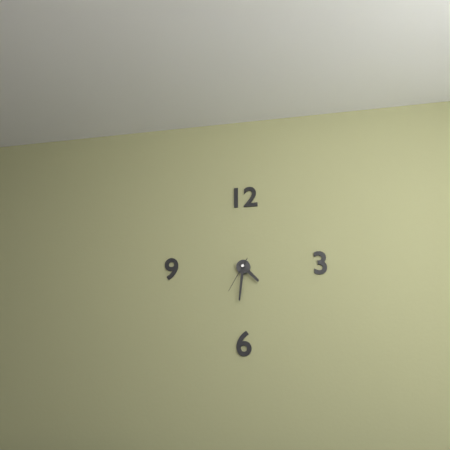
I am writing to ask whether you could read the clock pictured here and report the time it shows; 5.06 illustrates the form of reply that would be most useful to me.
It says 4.31
